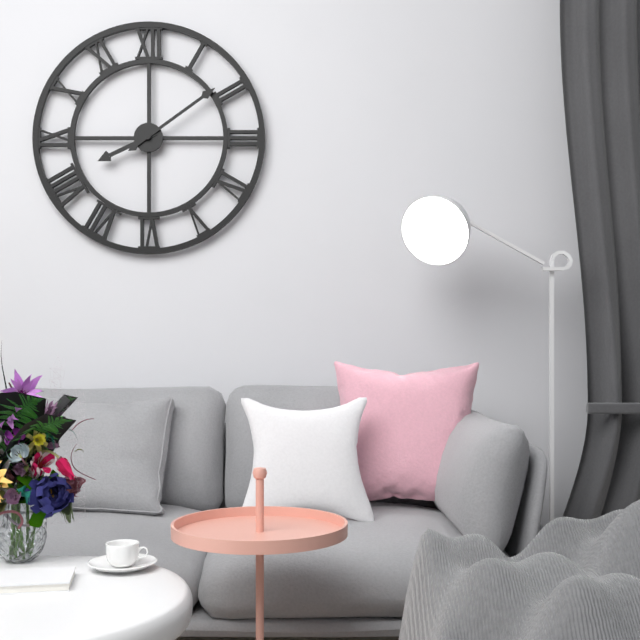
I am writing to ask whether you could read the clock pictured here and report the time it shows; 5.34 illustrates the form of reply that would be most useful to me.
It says 8.09
